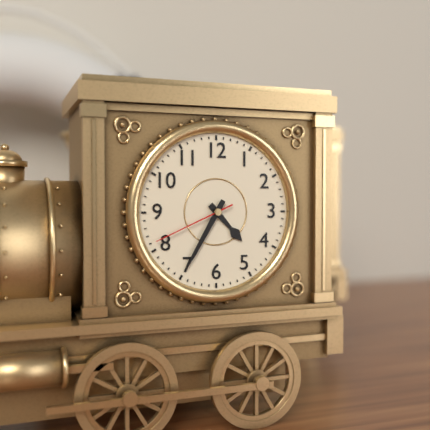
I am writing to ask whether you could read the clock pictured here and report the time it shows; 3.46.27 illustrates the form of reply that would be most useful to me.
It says 4.35.41
